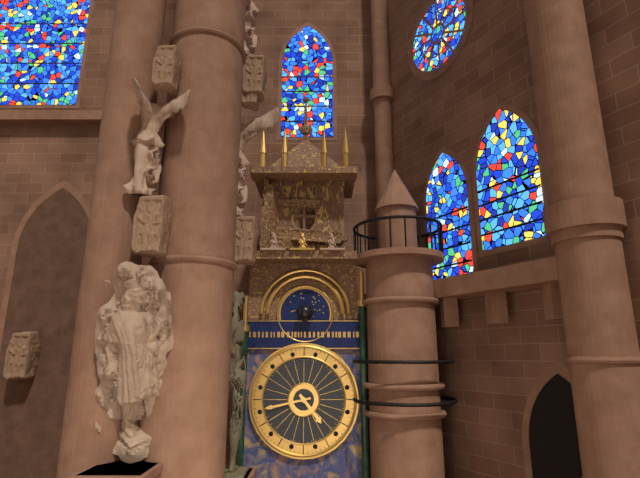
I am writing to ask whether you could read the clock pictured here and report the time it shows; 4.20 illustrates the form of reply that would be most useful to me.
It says 4.43
